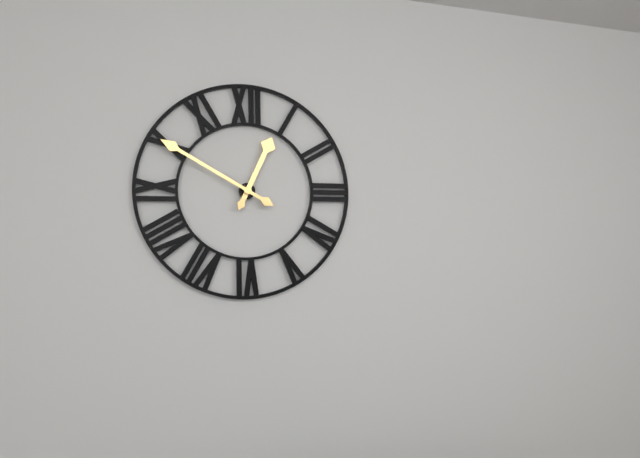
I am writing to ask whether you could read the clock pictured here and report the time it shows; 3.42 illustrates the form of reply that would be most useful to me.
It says 12.50
